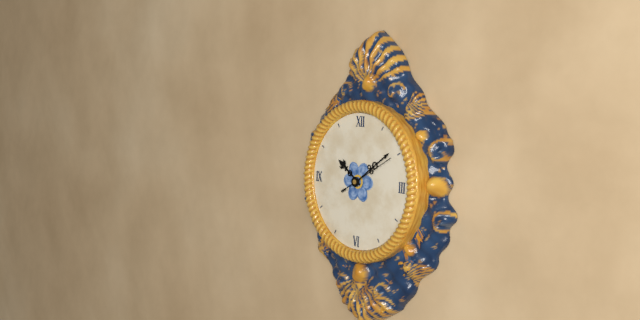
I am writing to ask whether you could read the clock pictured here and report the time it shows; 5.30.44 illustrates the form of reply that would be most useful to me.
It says 10.09.10
